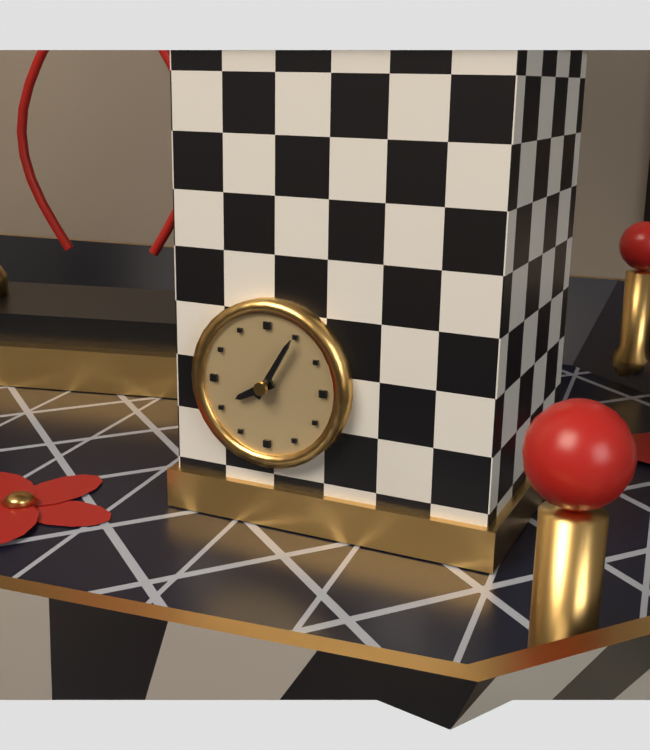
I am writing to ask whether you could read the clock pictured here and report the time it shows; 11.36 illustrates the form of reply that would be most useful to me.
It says 8.05
